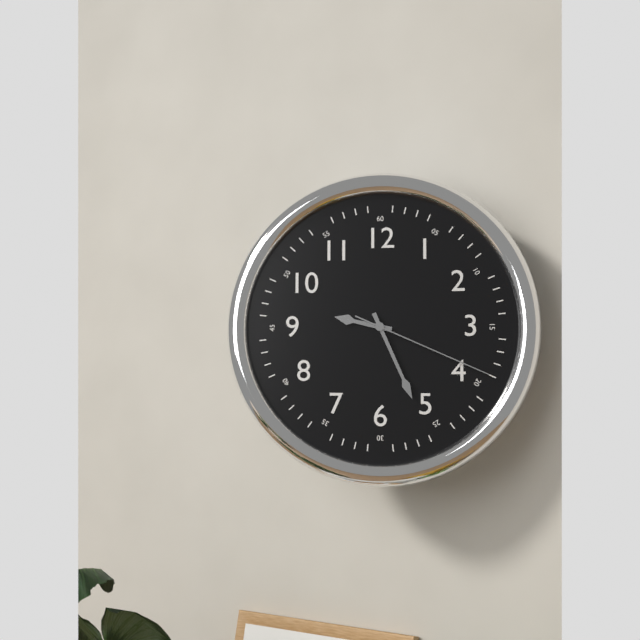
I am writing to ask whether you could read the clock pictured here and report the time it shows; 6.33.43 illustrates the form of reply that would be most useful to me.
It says 9.26.19
